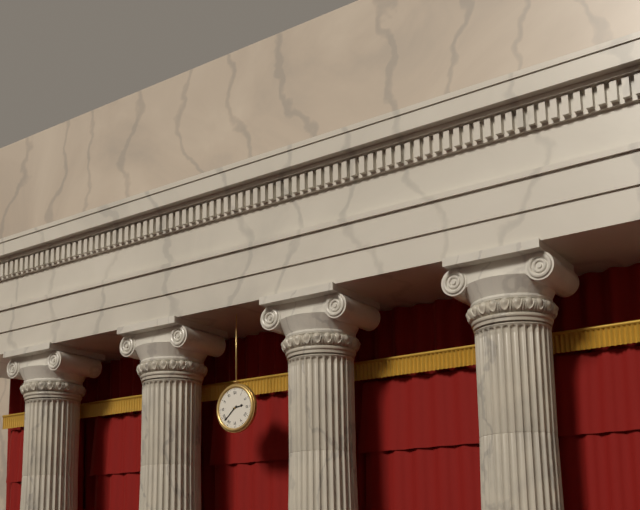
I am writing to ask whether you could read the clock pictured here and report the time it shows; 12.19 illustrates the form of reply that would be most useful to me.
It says 2.38
